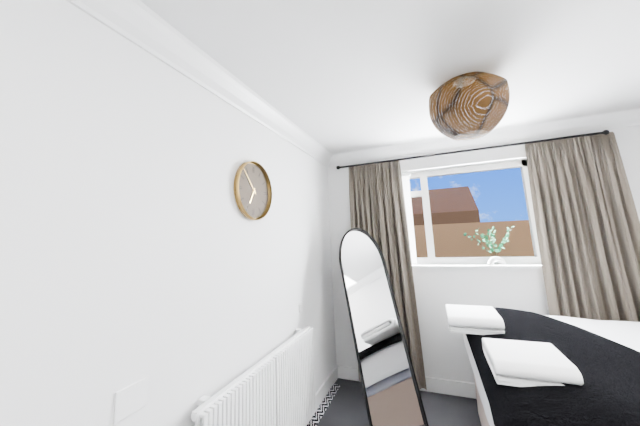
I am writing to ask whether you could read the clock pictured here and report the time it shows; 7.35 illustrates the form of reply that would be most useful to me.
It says 6.53
